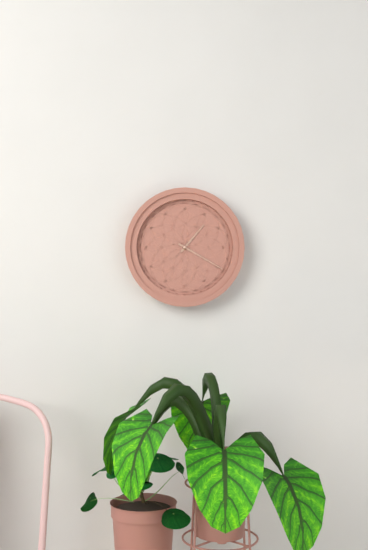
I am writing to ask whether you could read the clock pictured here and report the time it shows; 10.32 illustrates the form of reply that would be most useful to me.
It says 1.20
